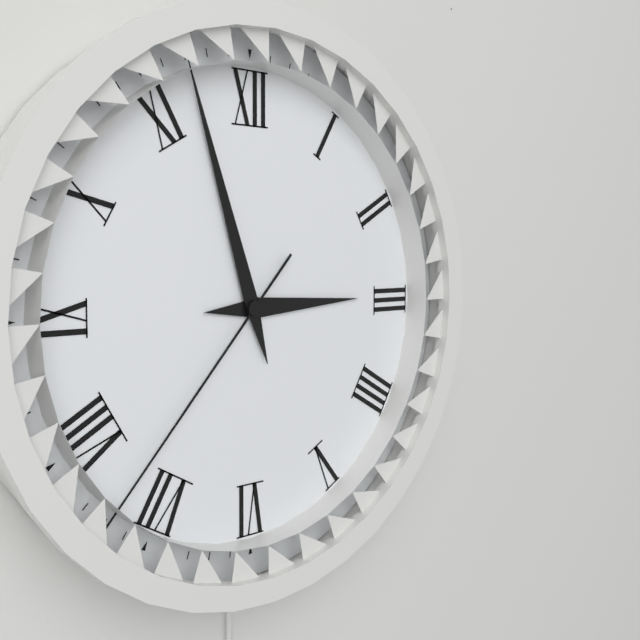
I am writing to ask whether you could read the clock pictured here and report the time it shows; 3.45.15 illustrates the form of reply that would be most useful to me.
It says 2.57.37
